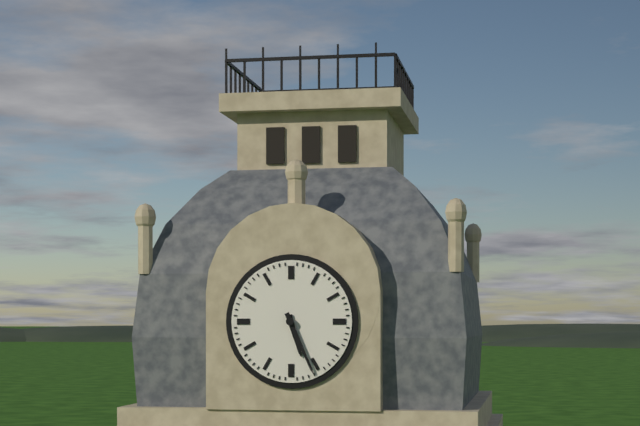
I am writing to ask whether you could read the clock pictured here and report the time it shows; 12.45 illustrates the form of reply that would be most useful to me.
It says 5.26
